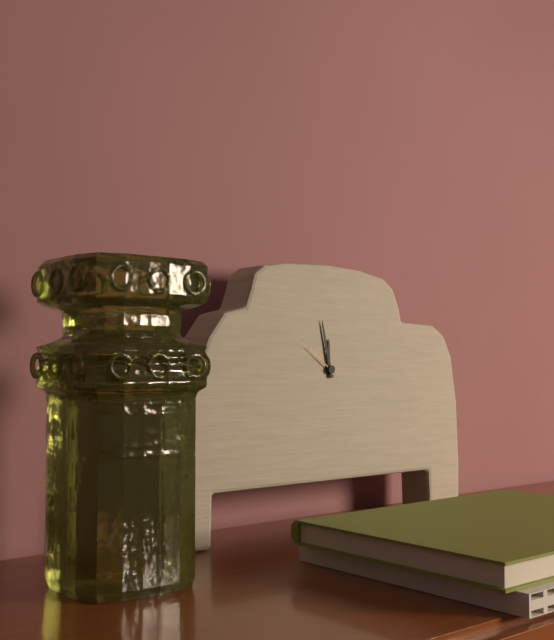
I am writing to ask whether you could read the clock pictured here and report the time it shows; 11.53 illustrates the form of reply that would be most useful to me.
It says 11.58
